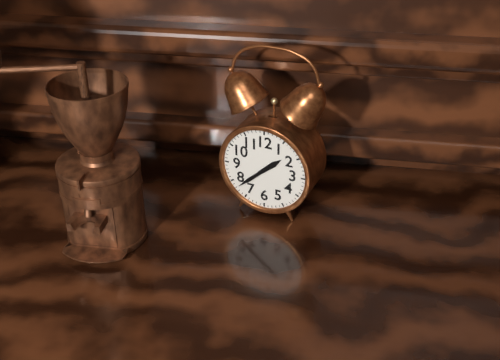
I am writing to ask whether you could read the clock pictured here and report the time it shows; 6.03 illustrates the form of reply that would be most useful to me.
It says 1.38
